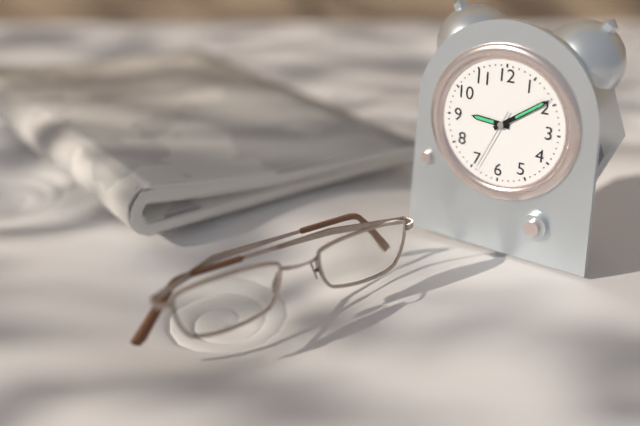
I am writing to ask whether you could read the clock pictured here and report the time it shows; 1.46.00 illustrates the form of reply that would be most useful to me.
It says 9.09.34
